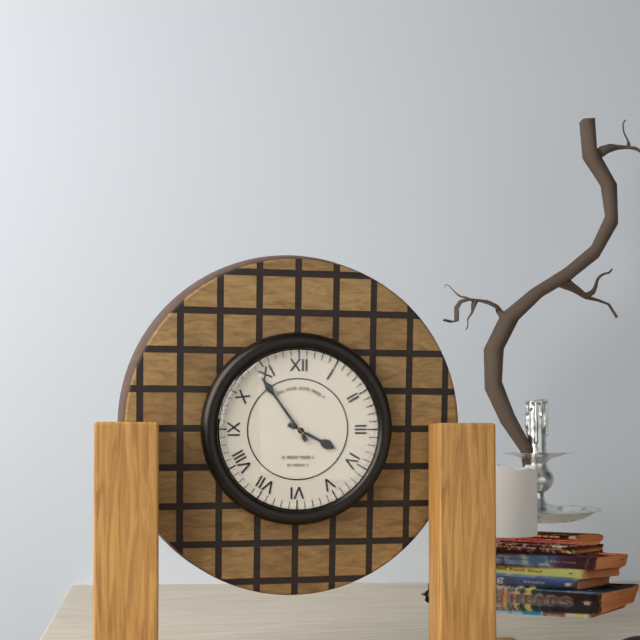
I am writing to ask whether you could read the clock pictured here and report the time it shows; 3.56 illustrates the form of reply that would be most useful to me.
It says 3.54
